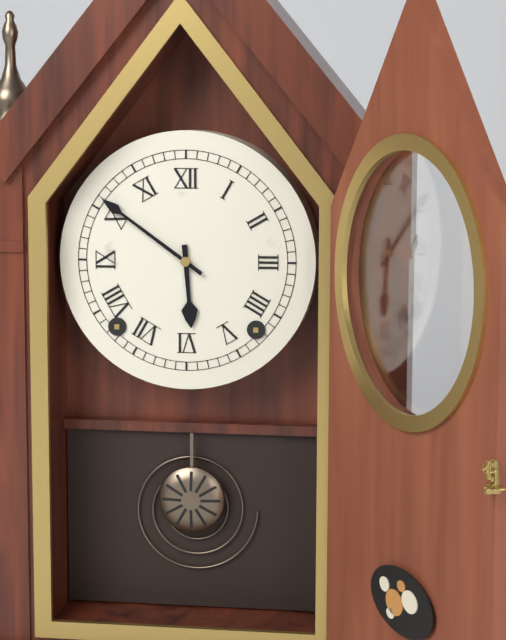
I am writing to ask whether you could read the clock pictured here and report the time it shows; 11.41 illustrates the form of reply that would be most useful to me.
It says 5.51
